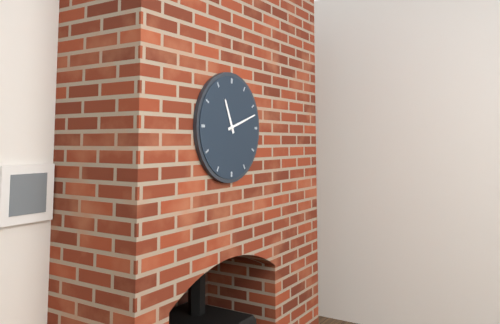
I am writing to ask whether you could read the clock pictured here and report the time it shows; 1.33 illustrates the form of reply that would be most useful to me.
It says 11.12
